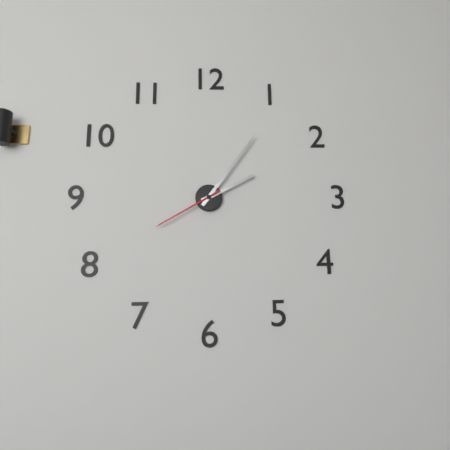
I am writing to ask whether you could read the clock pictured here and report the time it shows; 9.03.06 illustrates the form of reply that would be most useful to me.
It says 2.06.40
